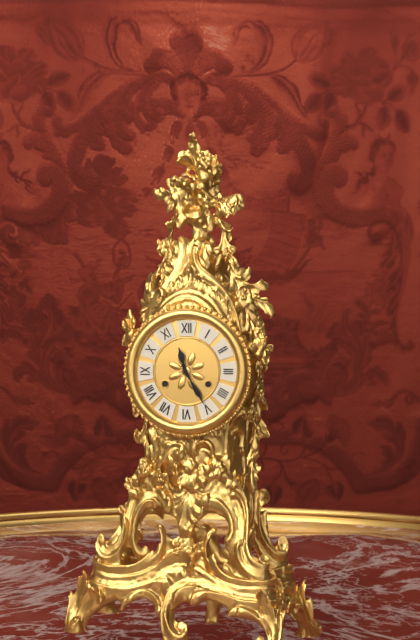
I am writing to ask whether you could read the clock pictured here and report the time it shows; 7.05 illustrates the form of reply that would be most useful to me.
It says 11.25
